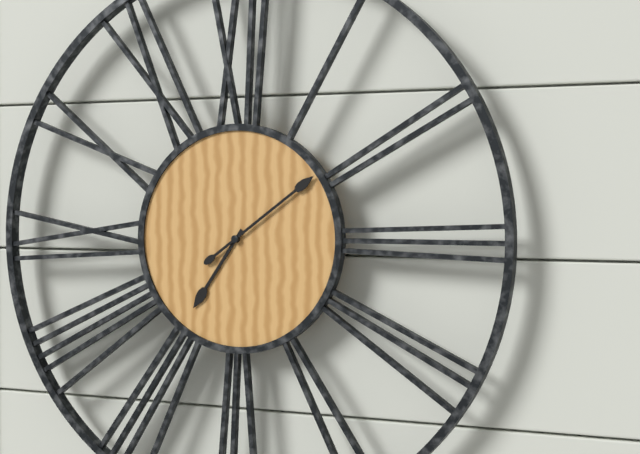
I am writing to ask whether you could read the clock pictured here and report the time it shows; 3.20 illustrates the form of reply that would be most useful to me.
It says 7.09
